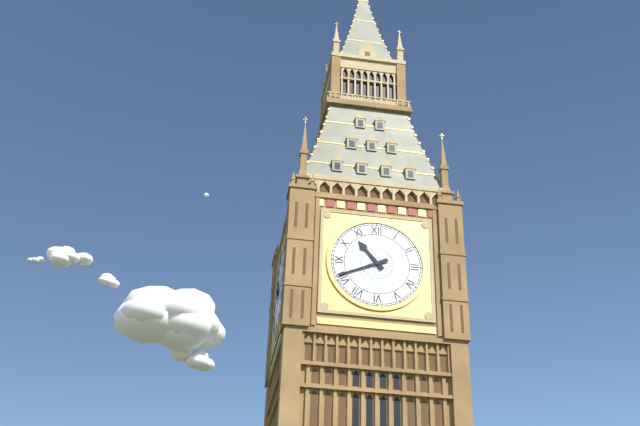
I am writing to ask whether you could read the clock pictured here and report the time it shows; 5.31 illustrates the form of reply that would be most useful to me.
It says 10.41
